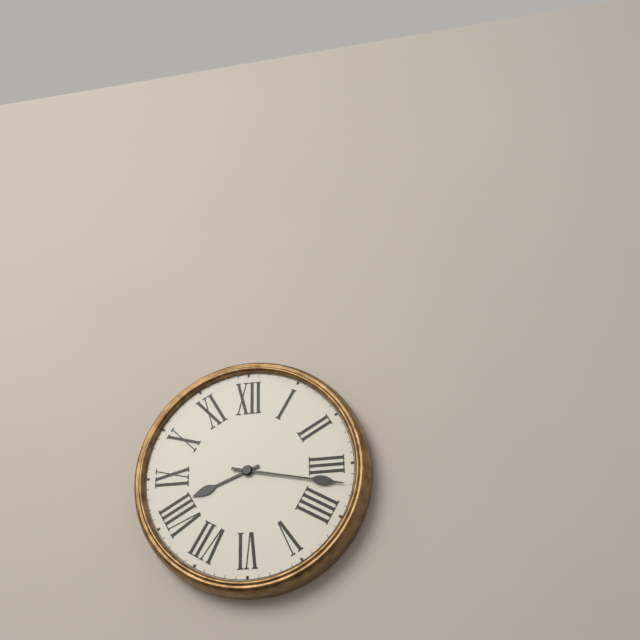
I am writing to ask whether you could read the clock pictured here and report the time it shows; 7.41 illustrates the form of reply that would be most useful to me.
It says 8.17
